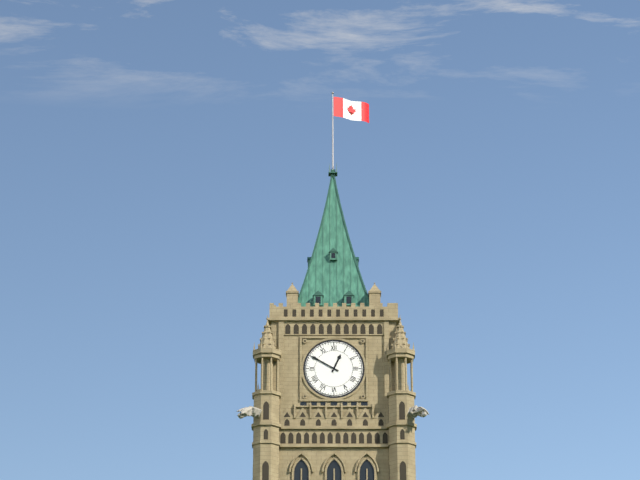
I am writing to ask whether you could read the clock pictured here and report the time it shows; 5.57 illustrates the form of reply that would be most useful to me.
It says 12.50
